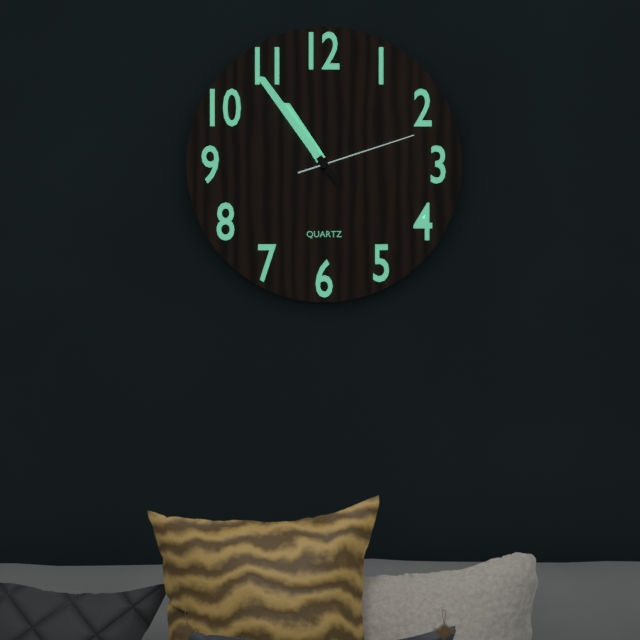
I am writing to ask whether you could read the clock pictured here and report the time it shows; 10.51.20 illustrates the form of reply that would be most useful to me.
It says 10.54.12
